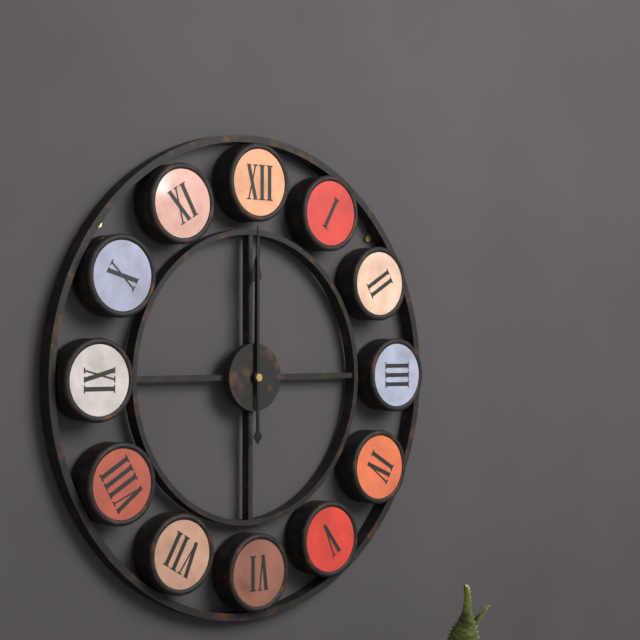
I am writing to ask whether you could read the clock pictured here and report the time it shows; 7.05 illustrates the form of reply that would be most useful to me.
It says 12.00
